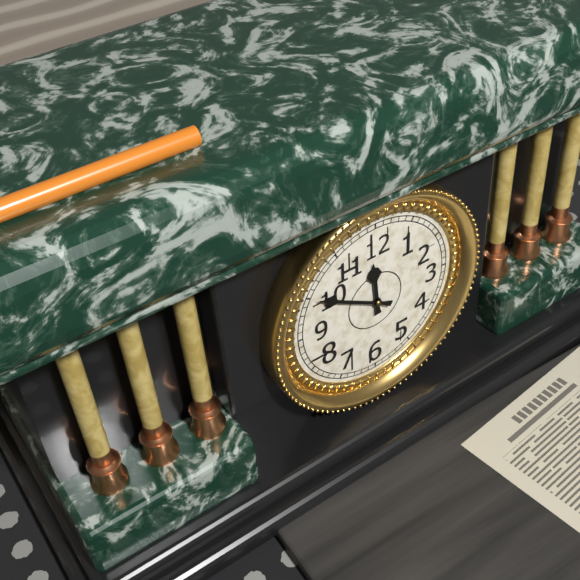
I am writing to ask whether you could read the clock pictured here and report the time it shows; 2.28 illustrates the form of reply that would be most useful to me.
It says 11.50
